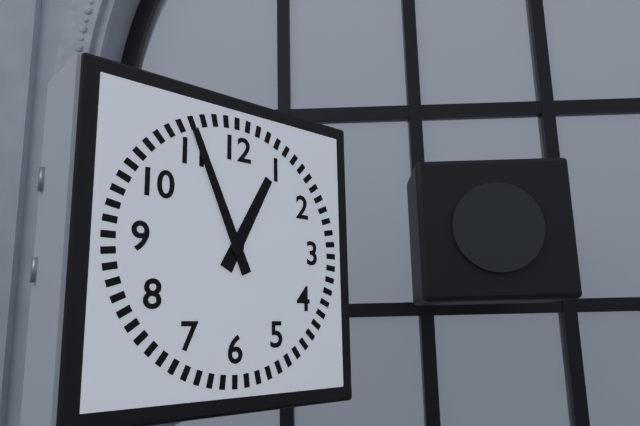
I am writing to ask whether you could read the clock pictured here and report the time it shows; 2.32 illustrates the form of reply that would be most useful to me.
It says 12.56
